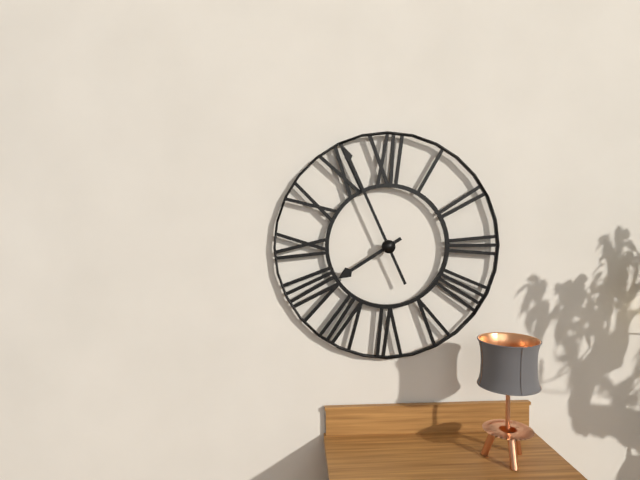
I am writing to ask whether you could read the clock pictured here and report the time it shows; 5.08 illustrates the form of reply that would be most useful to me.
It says 7.56
